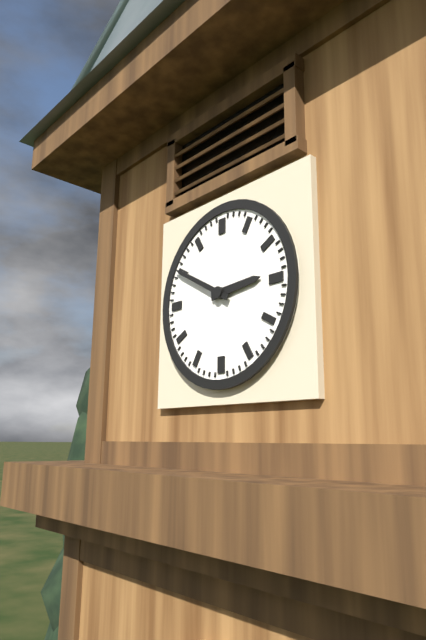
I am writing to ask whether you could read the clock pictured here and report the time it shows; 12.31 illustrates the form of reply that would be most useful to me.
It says 2.50
